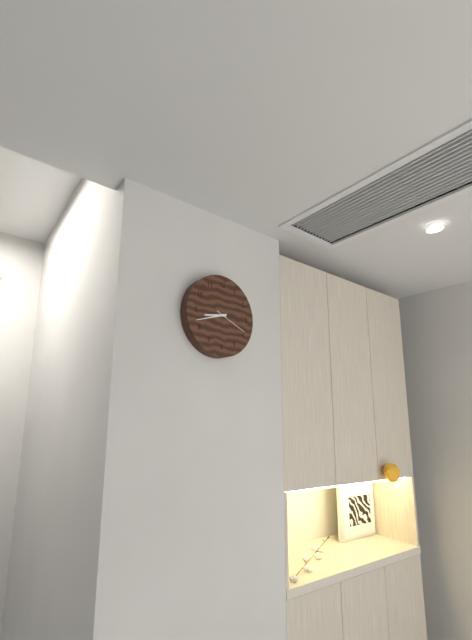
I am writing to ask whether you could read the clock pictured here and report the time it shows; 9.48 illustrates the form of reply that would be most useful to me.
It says 8.42
